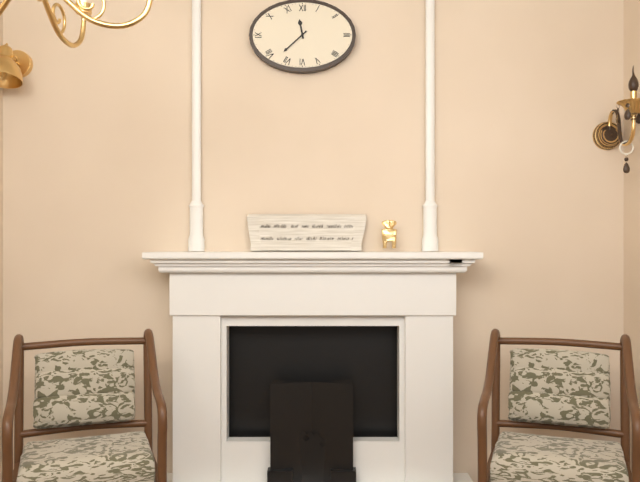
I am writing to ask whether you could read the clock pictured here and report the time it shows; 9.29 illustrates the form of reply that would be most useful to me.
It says 11.38
